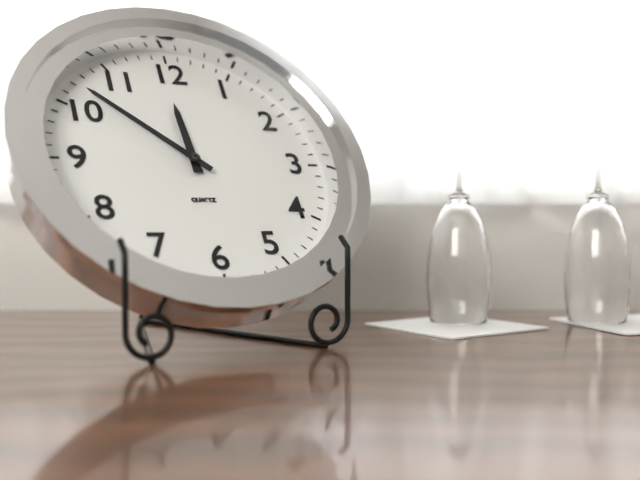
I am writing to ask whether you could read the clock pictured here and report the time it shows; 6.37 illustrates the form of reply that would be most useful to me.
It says 11.52
